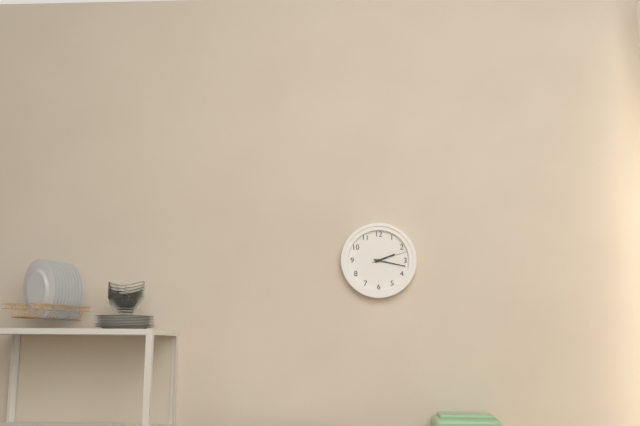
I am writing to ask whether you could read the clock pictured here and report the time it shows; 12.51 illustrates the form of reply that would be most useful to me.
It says 2.17
